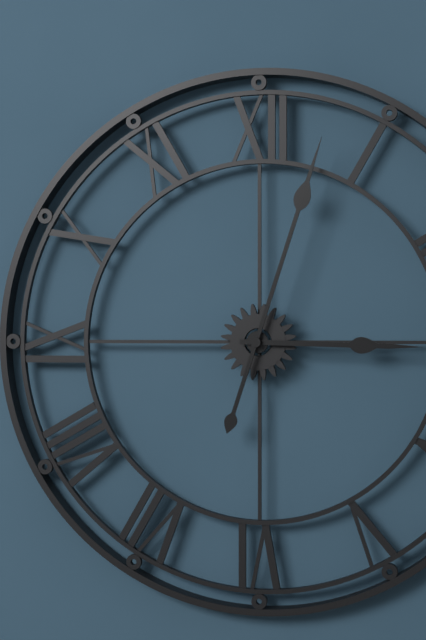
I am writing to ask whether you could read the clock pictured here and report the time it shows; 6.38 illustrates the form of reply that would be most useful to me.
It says 3.03
